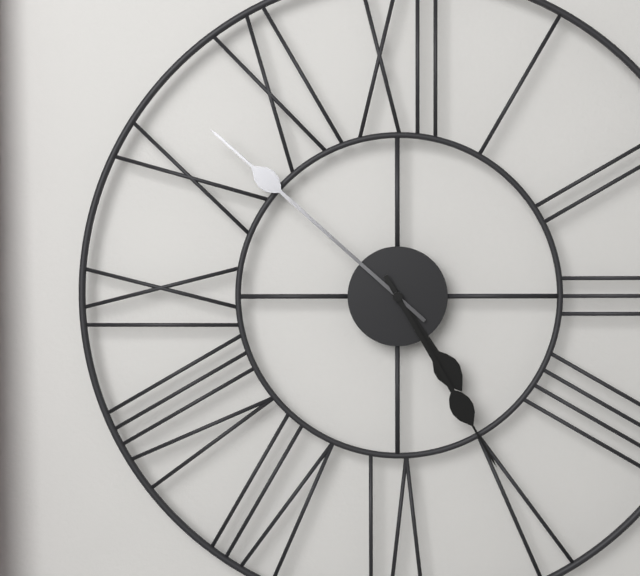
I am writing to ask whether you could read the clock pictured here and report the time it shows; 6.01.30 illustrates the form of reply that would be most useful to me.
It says 4.52.25
